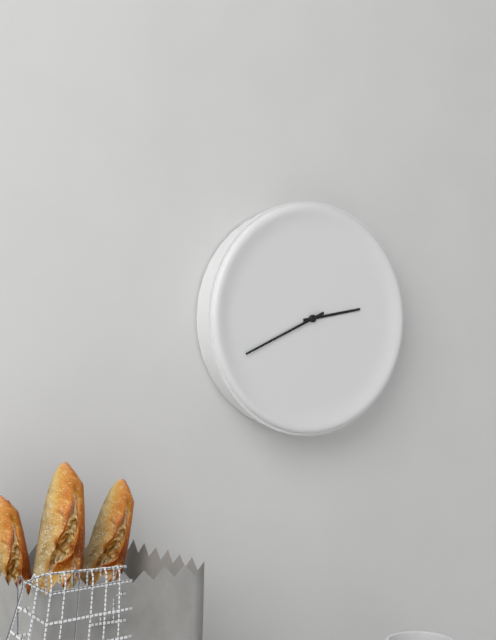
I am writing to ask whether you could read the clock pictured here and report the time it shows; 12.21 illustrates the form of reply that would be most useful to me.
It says 2.41
